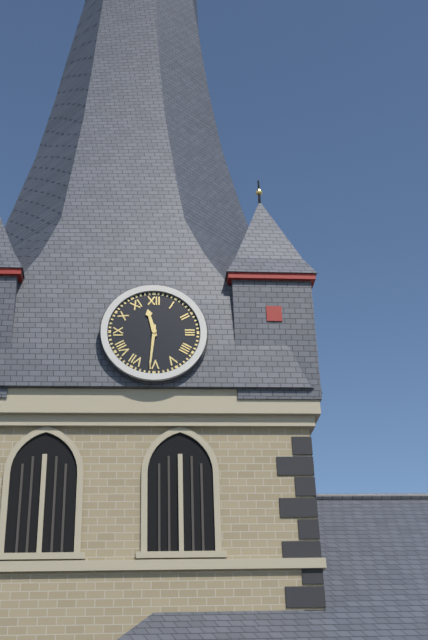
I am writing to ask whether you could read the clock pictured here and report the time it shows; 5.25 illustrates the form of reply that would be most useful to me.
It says 11.31
